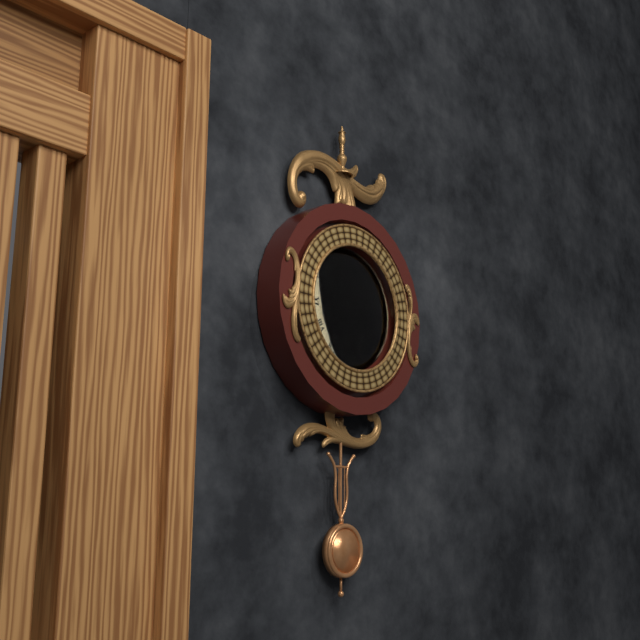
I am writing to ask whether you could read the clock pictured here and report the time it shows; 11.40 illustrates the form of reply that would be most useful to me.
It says 7.27
